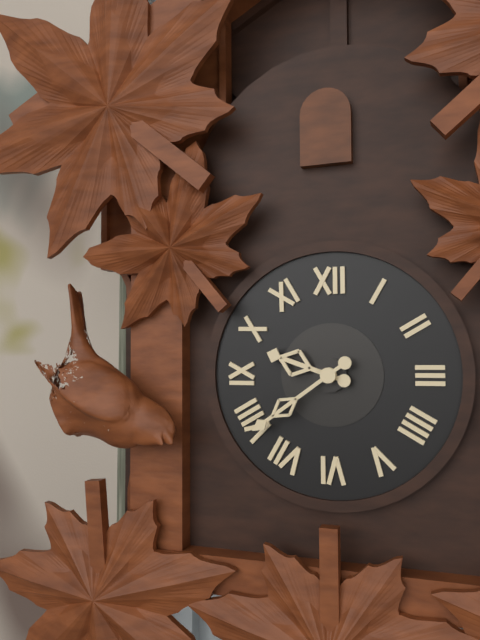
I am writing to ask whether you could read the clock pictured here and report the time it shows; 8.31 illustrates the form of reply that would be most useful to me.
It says 9.39
